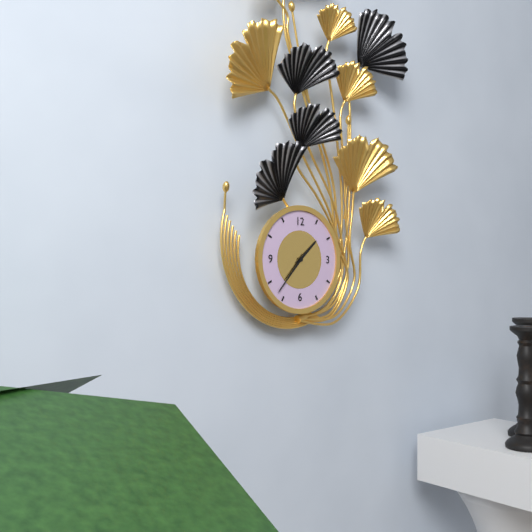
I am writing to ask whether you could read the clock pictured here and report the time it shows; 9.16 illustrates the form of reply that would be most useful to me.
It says 1.37
